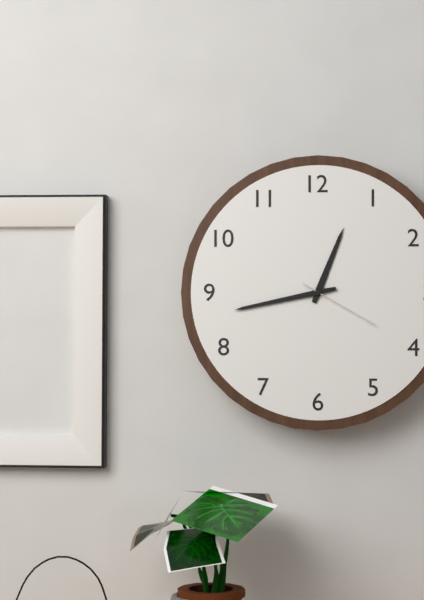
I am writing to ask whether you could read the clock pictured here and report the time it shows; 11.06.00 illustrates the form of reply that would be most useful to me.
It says 12.43.20
